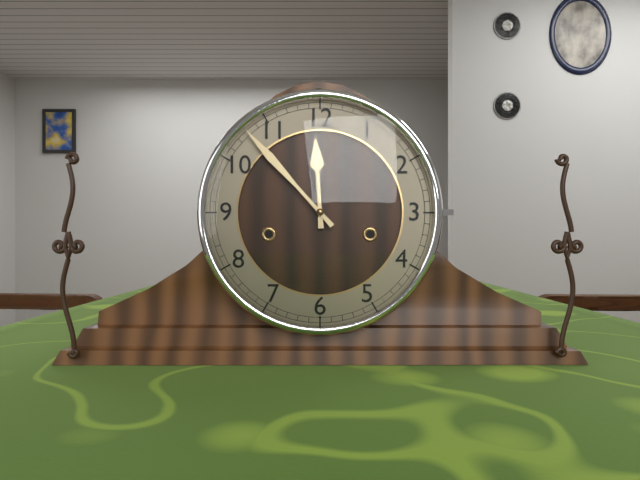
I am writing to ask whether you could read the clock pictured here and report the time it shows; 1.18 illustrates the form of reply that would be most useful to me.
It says 11.53
